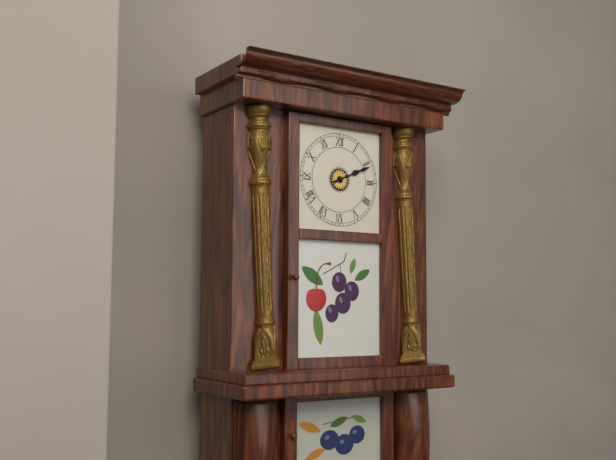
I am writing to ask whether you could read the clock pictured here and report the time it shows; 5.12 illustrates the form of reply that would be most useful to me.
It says 2.11
